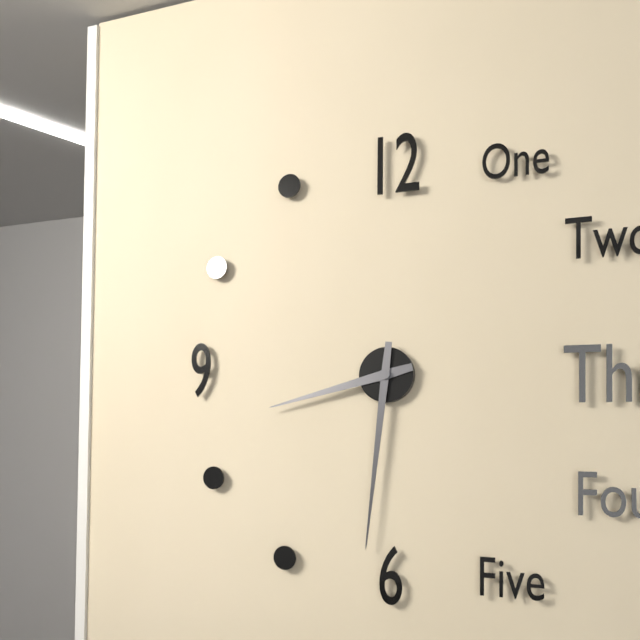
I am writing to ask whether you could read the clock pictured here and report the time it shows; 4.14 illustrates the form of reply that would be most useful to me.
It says 8.31
